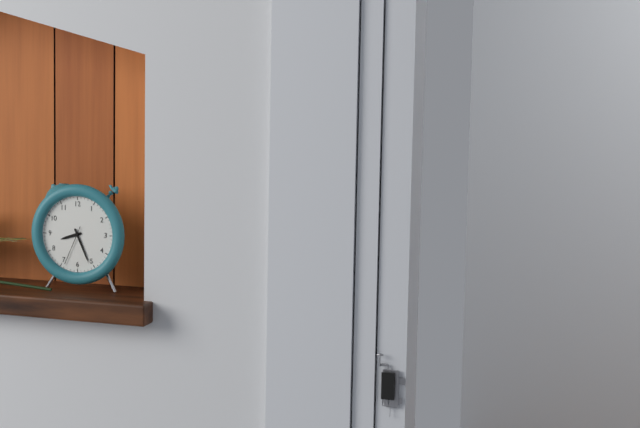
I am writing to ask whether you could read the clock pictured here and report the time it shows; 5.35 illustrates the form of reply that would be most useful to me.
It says 8.26
